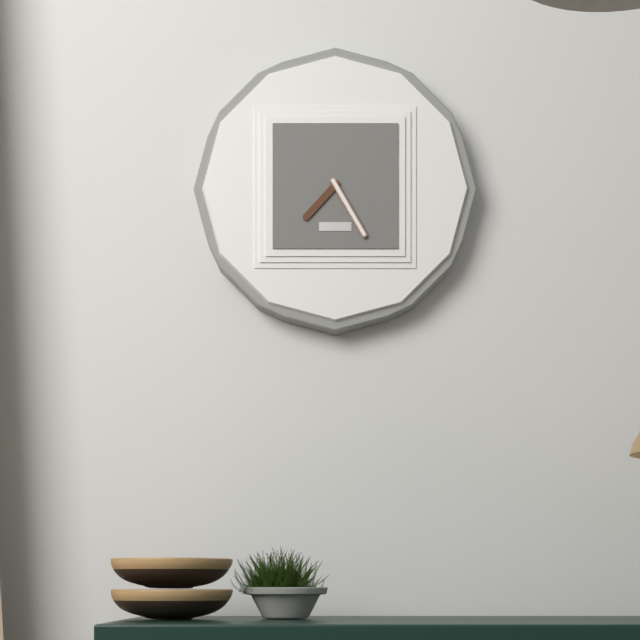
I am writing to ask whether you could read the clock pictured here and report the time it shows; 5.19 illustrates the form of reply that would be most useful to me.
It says 7.25
